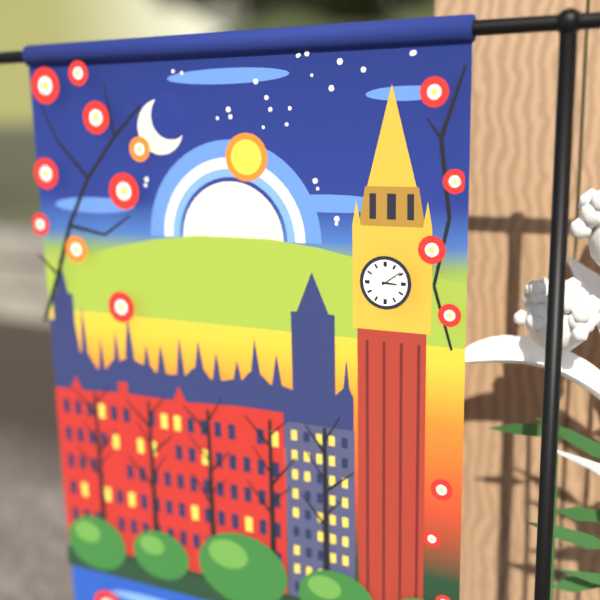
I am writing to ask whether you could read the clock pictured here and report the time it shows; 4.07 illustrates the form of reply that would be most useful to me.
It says 3.09
